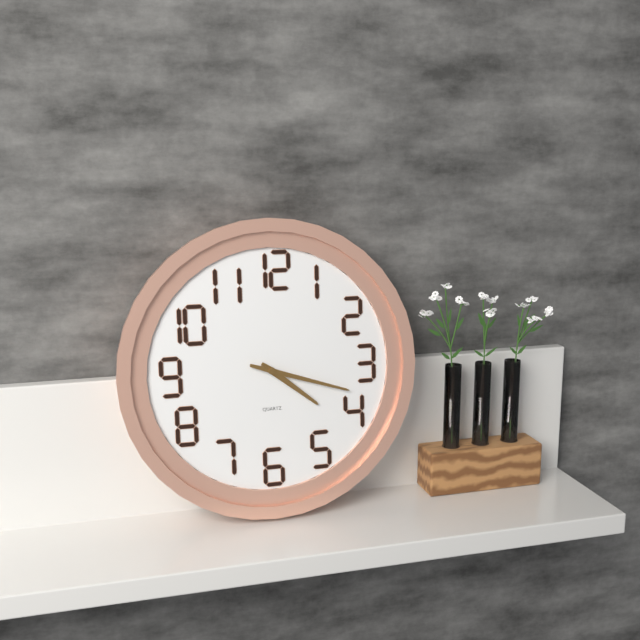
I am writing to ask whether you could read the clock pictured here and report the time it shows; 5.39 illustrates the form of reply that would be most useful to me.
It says 4.18
